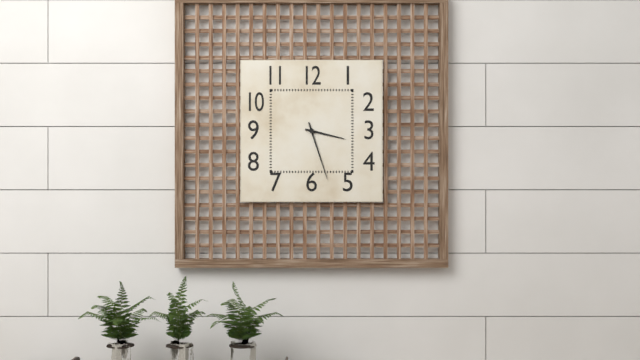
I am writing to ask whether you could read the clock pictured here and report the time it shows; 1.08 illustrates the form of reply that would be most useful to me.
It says 3.27
